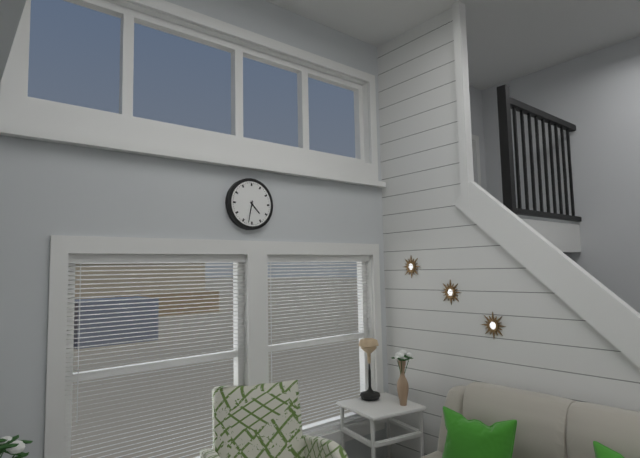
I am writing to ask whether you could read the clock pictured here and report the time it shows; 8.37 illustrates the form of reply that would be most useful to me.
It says 4.32
